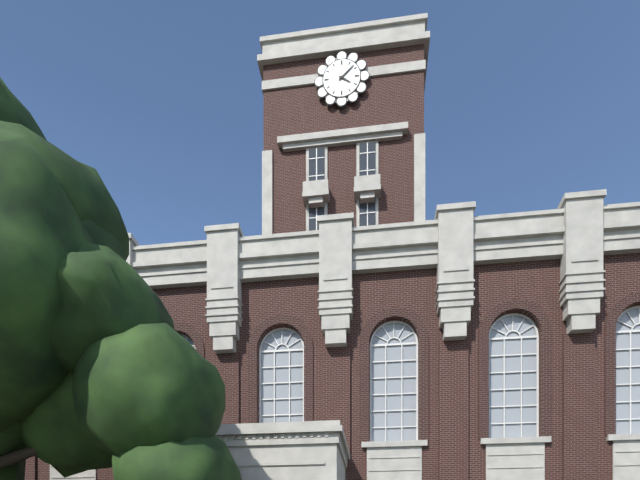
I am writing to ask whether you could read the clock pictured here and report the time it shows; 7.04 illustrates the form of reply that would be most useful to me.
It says 4.08
